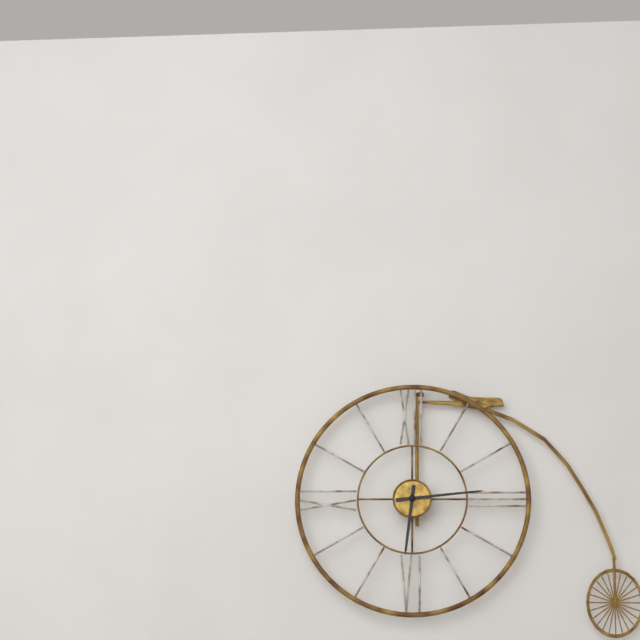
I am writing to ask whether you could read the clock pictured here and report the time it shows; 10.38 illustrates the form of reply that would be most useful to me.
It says 6.14
